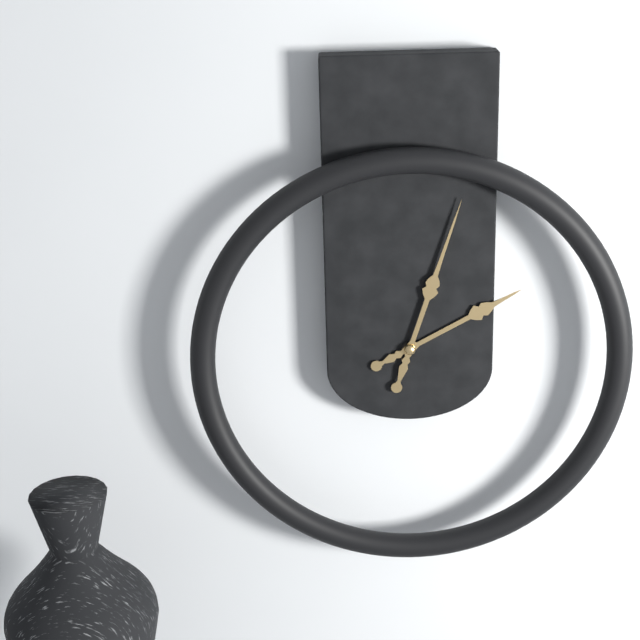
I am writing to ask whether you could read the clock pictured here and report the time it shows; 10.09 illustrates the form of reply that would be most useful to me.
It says 2.03
